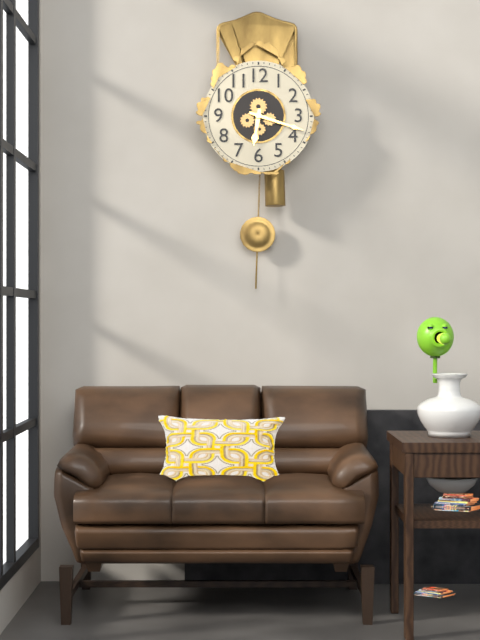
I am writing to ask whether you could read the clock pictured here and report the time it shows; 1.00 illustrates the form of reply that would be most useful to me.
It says 6.18
